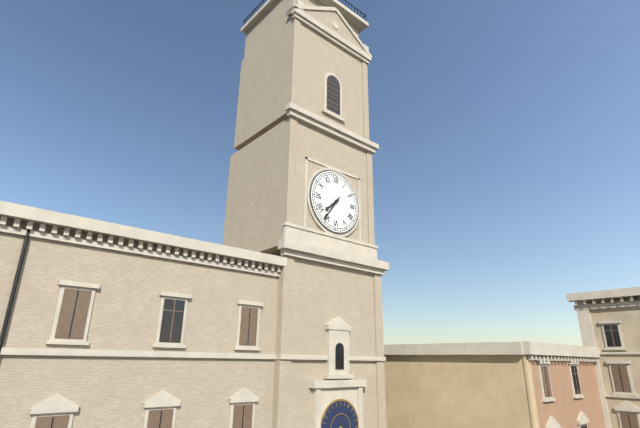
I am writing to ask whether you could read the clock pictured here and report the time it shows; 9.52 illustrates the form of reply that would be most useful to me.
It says 7.36
